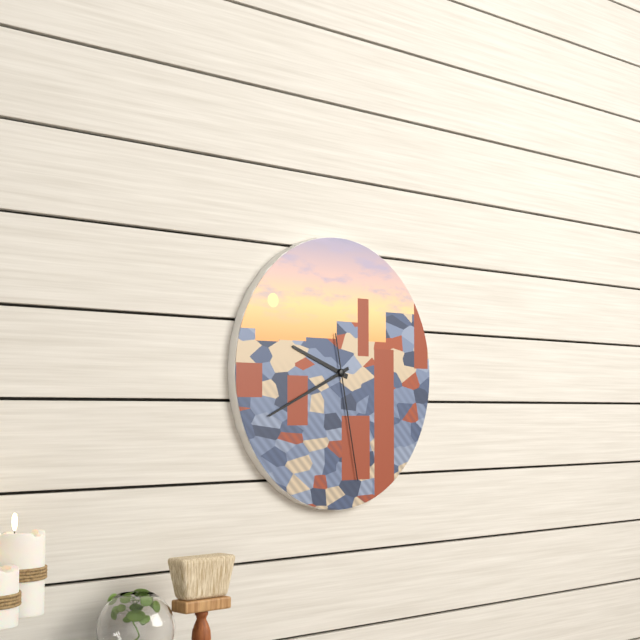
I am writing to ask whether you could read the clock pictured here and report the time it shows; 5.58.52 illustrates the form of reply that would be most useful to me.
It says 9.41.28
